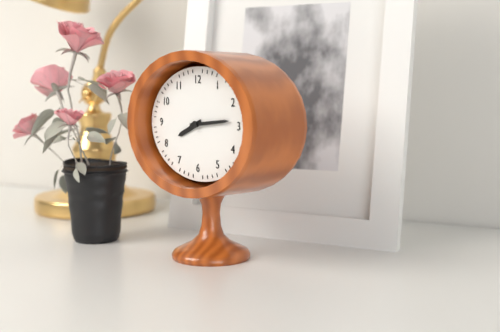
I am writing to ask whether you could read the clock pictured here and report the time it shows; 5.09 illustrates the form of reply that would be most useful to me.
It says 8.14
